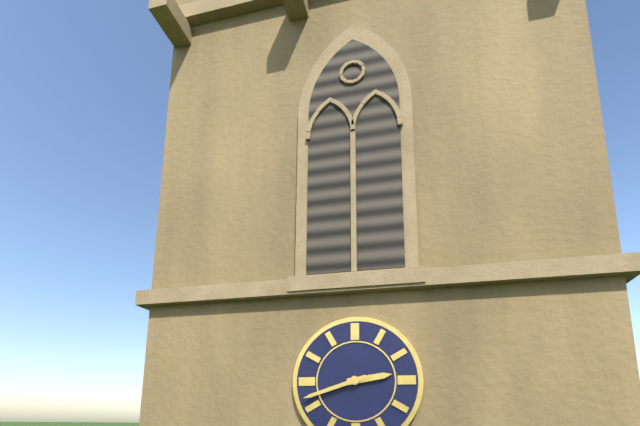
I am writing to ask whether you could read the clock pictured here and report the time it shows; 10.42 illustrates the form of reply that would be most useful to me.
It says 2.42
